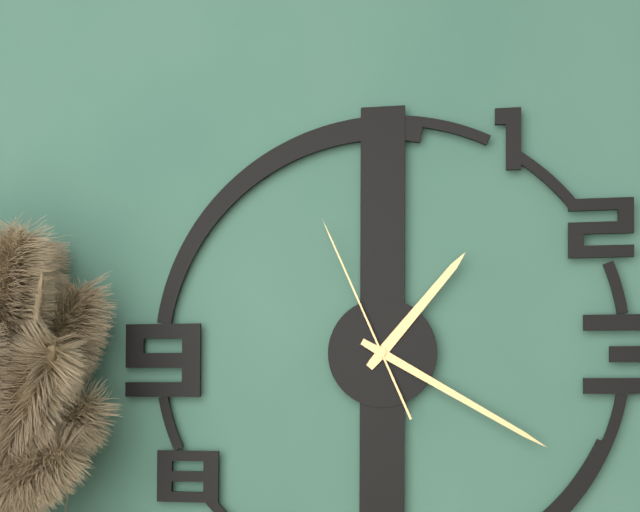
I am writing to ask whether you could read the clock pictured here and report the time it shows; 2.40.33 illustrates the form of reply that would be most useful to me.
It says 1.20.56
